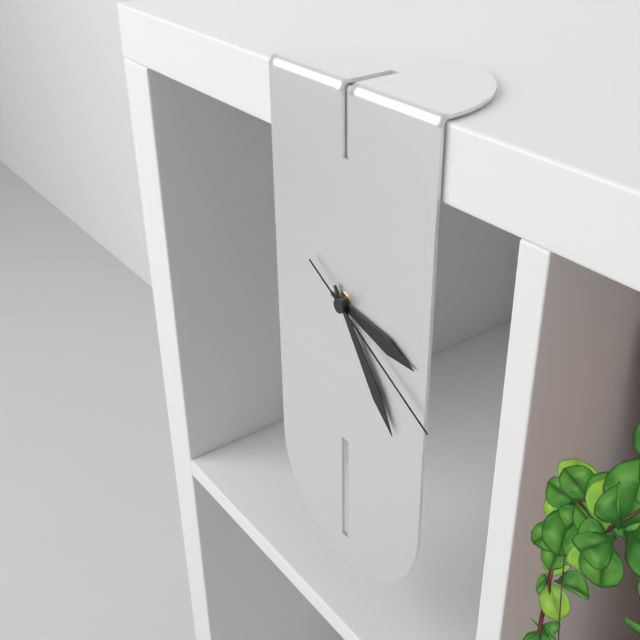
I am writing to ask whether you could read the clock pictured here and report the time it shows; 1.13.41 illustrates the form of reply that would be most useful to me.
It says 3.24.20
